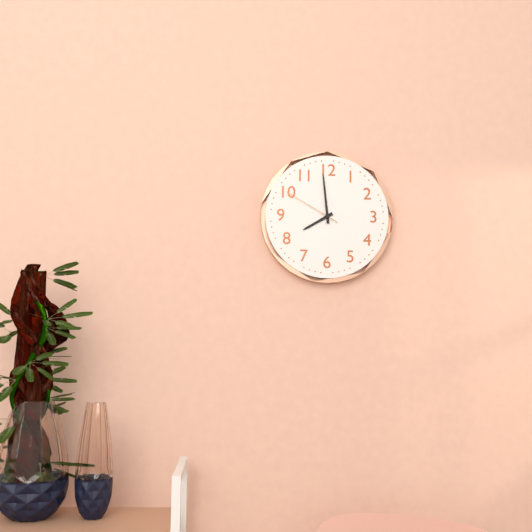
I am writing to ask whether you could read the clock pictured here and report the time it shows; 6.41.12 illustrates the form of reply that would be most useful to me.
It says 7.59.50
